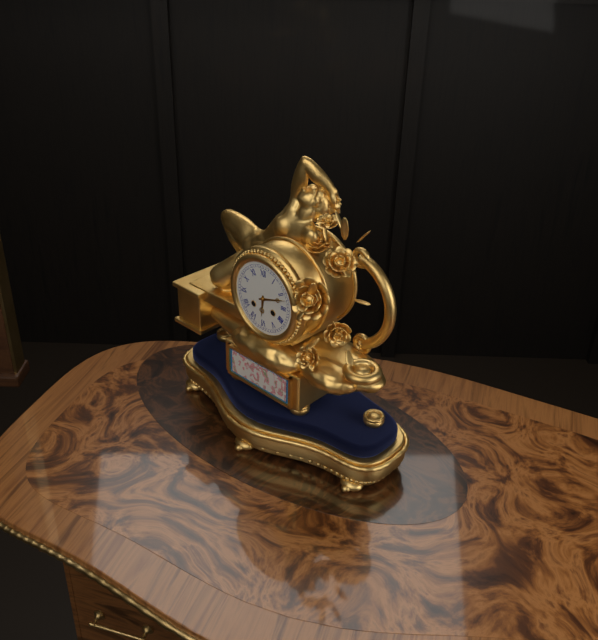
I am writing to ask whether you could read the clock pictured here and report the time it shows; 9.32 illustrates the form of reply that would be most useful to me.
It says 6.12
